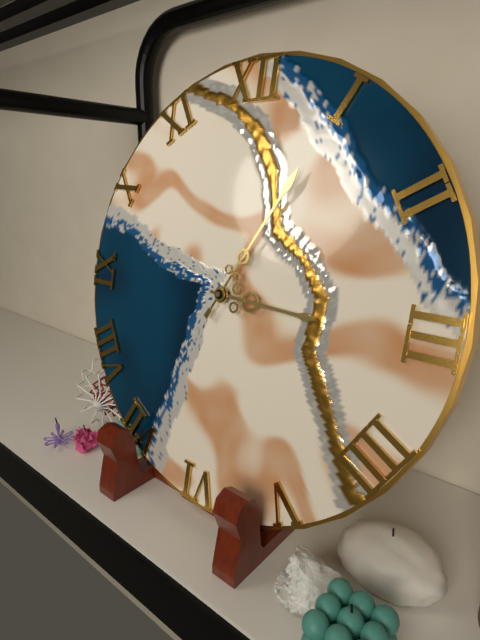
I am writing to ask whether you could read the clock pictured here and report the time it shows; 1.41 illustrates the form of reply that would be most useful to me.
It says 3.05
